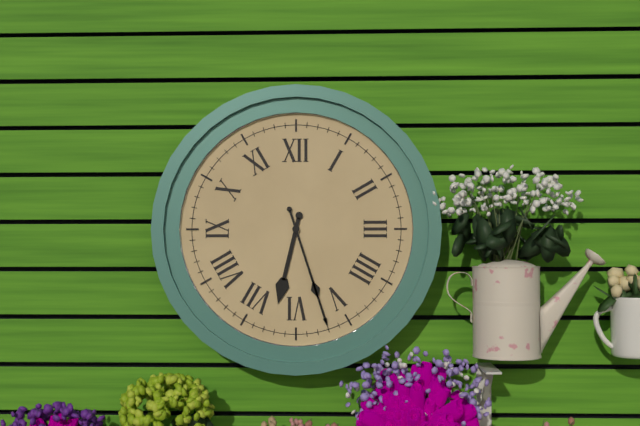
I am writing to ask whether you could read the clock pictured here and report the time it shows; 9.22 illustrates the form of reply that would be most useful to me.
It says 6.27
